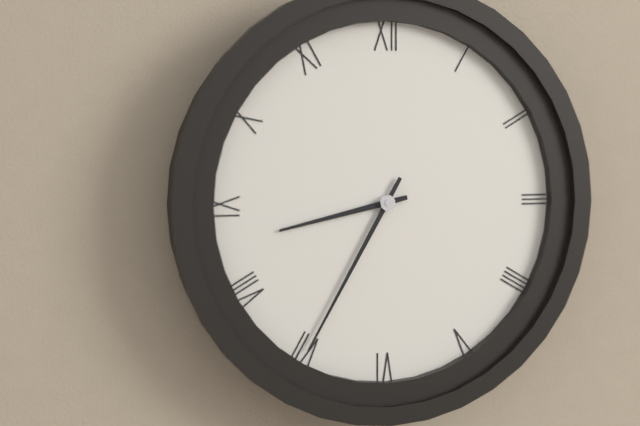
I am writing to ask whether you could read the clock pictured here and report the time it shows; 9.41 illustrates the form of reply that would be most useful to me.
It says 8.35
